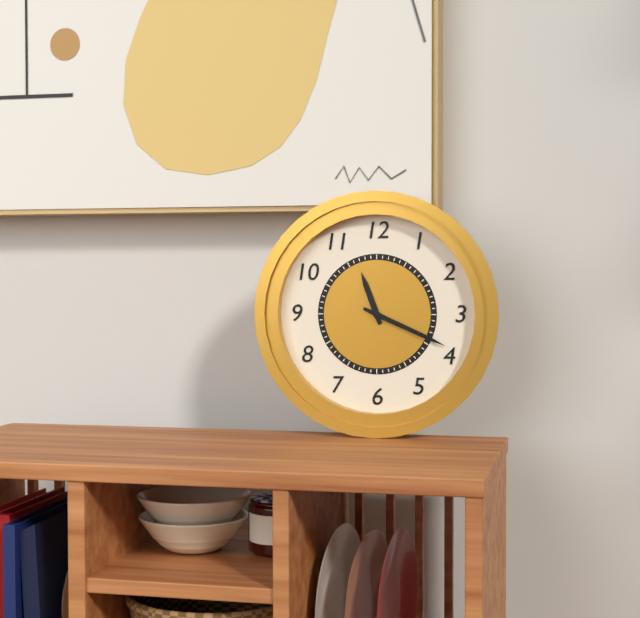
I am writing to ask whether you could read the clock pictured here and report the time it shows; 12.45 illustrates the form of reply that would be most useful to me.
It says 11.19
